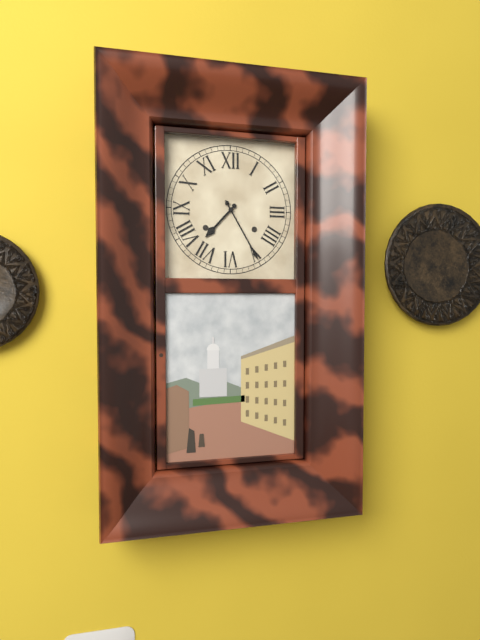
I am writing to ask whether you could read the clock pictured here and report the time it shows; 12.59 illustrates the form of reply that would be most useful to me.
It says 7.25
